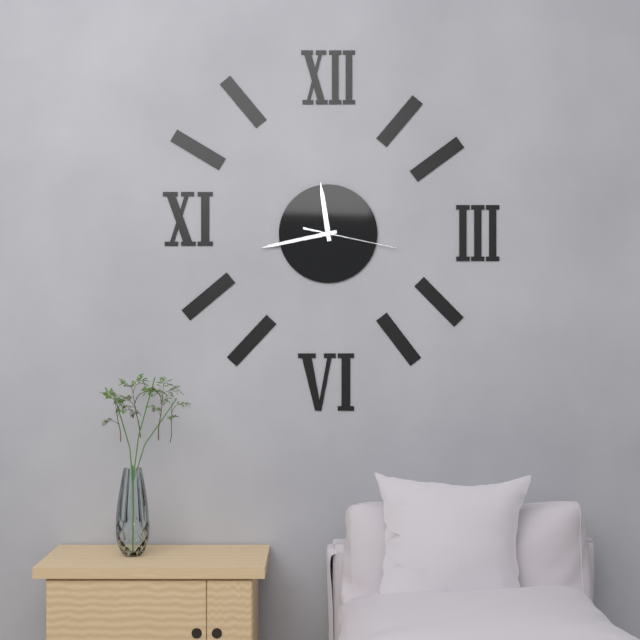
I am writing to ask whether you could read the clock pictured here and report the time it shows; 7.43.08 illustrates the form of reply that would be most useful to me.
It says 11.43.17
